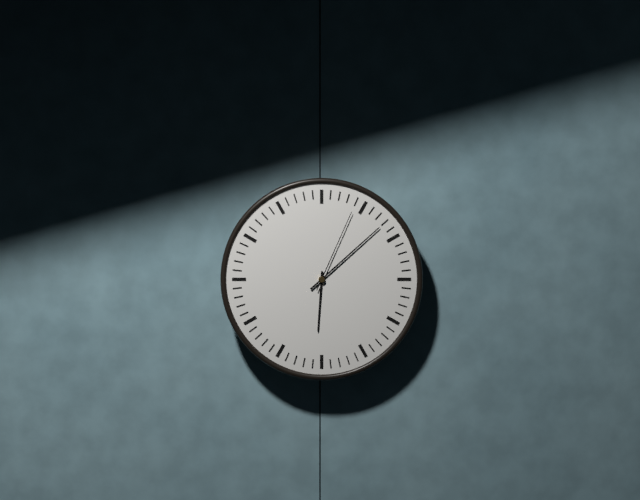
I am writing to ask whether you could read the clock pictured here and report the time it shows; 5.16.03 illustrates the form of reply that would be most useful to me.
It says 6.08.04
